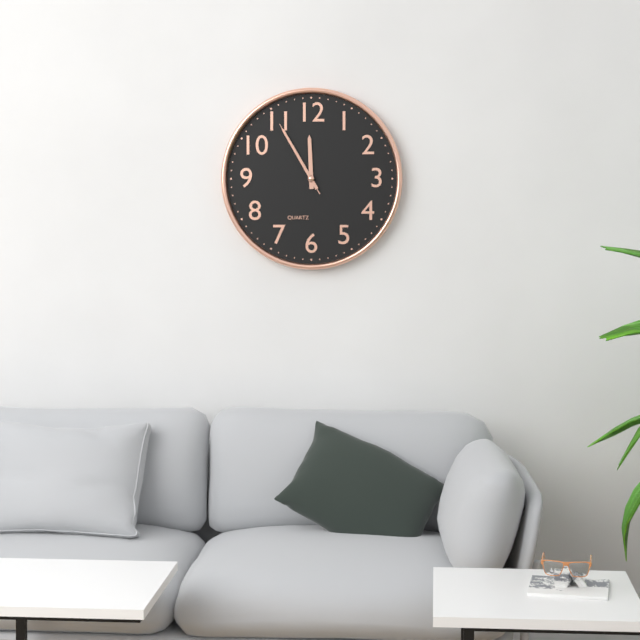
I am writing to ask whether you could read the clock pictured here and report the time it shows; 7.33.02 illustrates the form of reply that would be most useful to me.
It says 11.55.55
